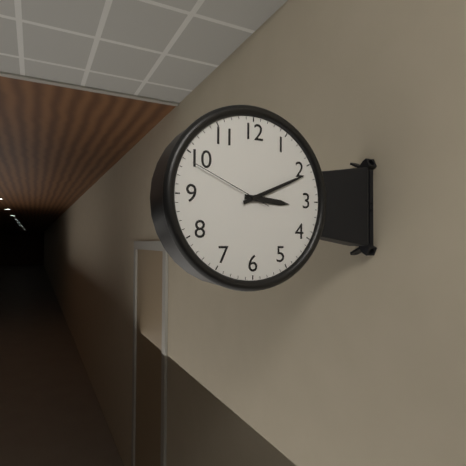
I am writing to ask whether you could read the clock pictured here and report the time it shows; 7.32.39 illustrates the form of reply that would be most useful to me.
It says 3.11.49
